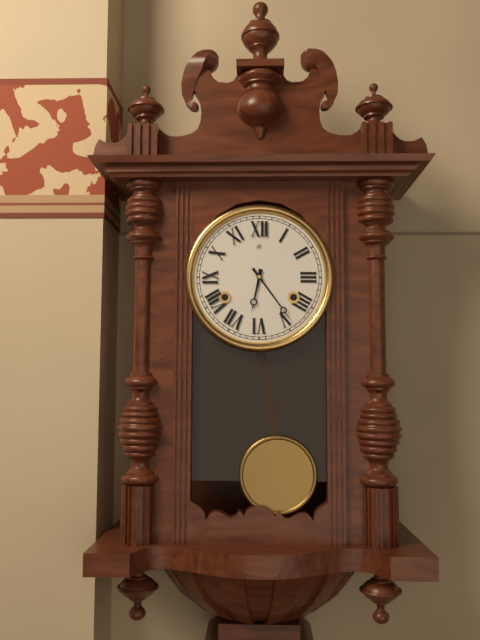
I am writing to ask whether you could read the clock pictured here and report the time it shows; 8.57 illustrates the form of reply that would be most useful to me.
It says 6.24
